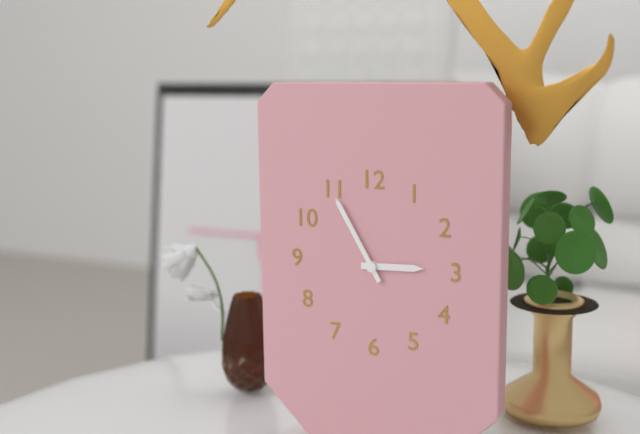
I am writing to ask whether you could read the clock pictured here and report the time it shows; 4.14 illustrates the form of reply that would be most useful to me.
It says 2.55
